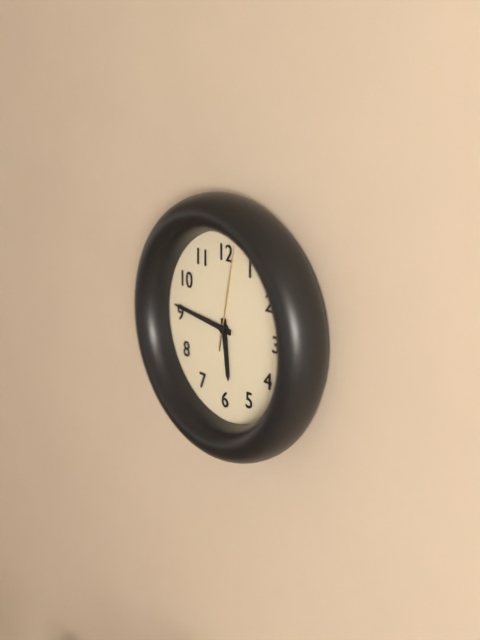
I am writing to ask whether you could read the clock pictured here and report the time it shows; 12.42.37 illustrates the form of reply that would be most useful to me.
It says 5.46.02
